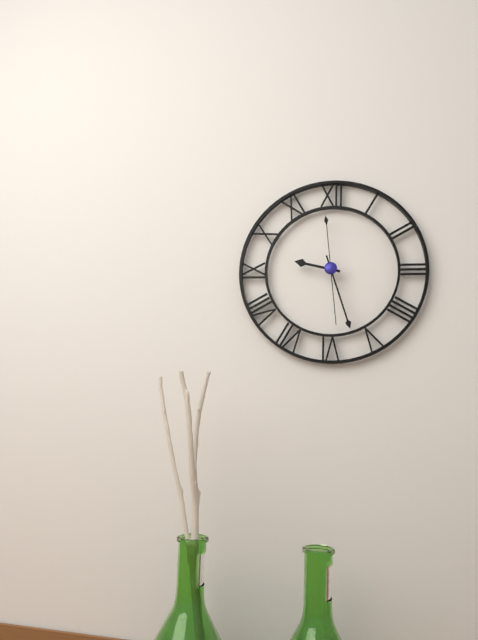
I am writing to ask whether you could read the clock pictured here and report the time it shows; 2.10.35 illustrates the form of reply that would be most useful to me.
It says 9.27.29
